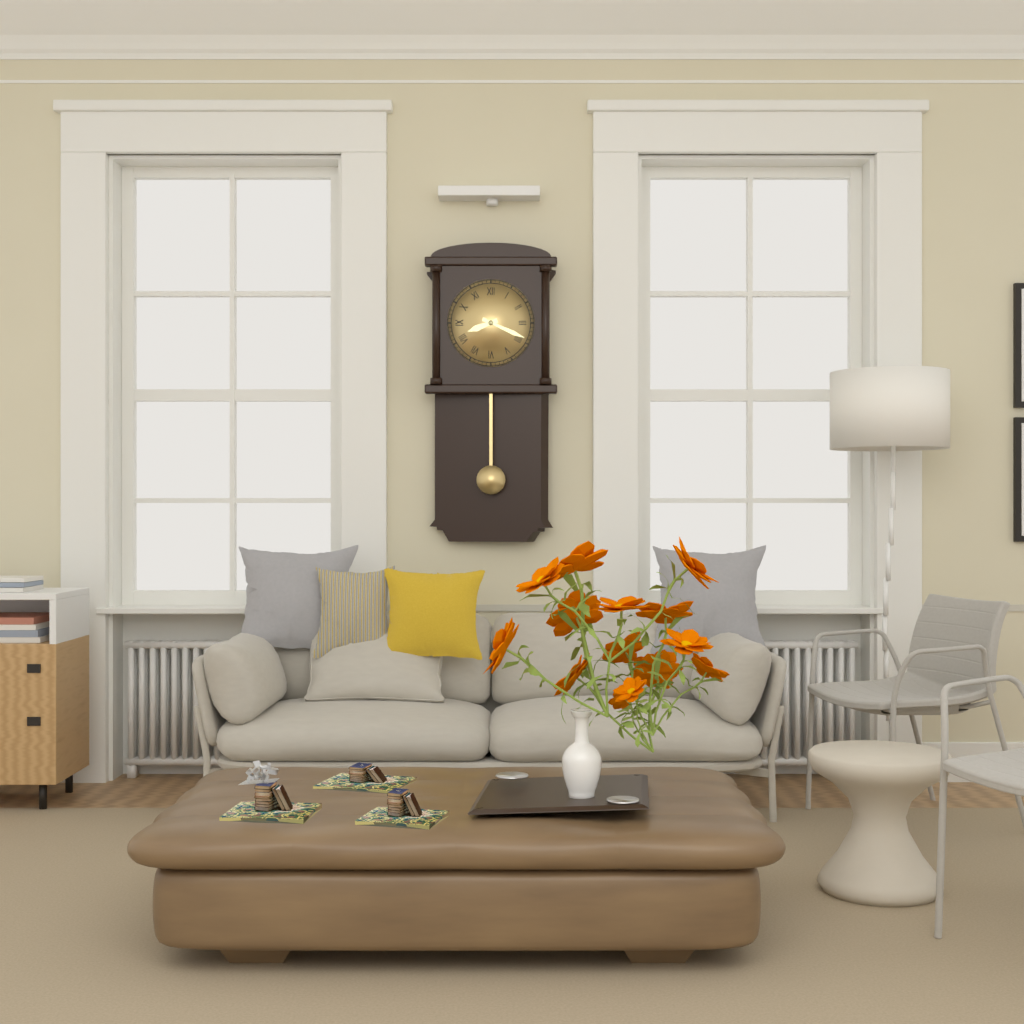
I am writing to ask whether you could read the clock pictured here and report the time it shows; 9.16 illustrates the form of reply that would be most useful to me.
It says 8.19
